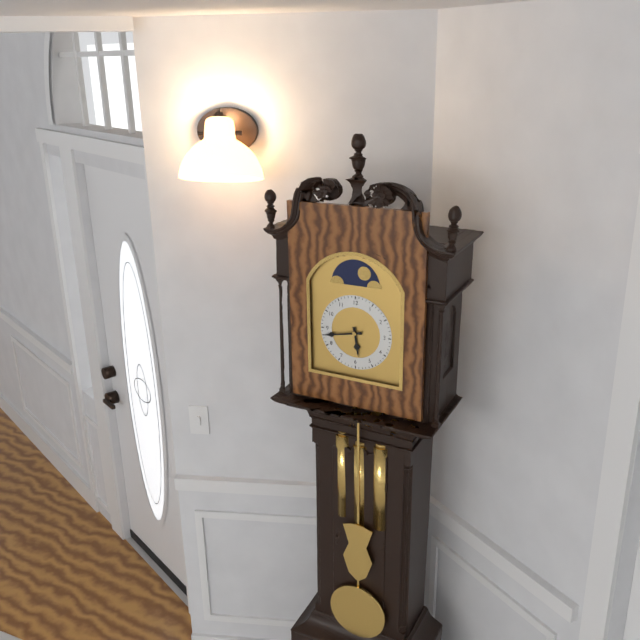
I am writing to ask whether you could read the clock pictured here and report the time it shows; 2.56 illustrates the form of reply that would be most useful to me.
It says 5.43
